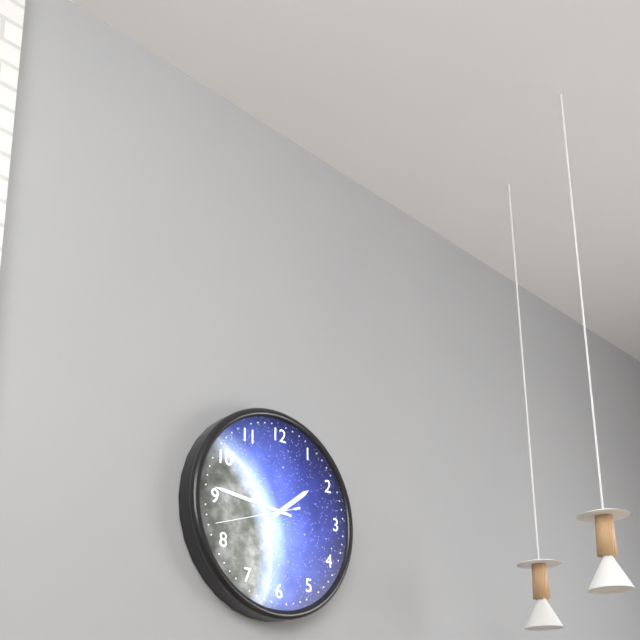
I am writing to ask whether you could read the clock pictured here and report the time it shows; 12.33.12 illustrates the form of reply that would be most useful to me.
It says 1.46.42
